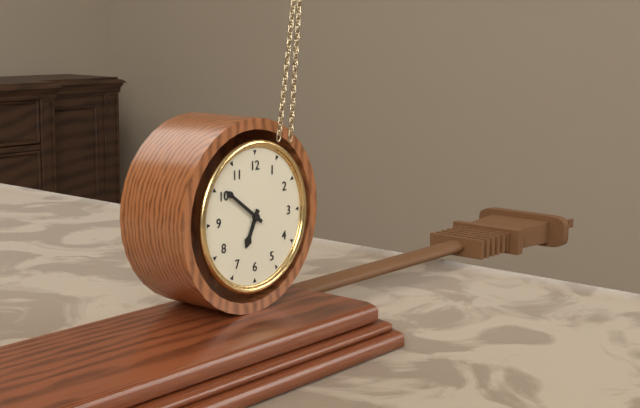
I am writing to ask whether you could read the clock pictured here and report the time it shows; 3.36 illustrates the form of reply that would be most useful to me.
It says 6.51
